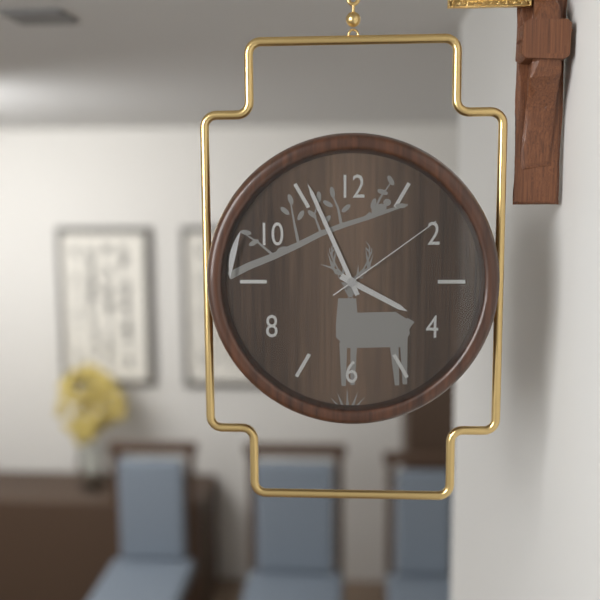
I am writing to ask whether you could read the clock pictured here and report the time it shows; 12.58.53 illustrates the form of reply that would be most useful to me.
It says 3.56.09
